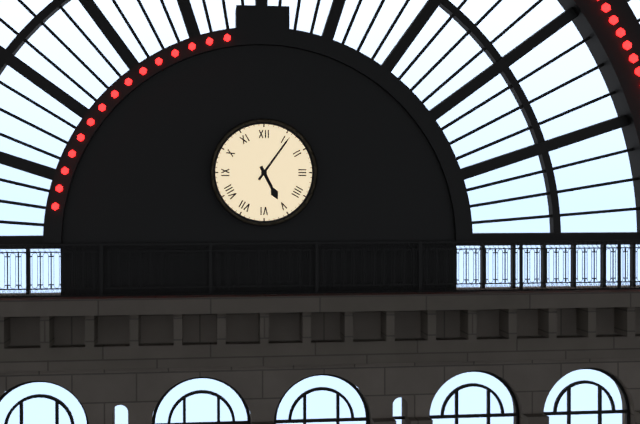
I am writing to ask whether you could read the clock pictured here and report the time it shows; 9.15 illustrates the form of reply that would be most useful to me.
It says 5.06
